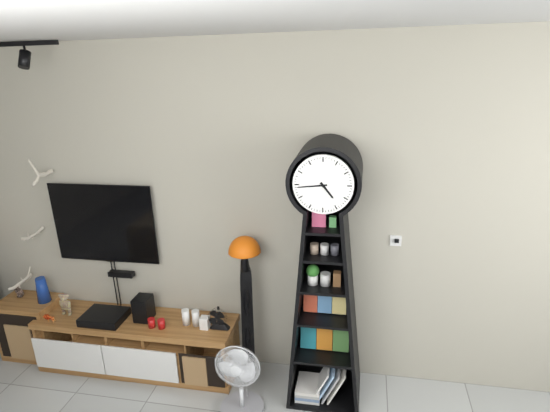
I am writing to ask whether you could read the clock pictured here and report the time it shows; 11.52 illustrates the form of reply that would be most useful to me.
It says 4.44
